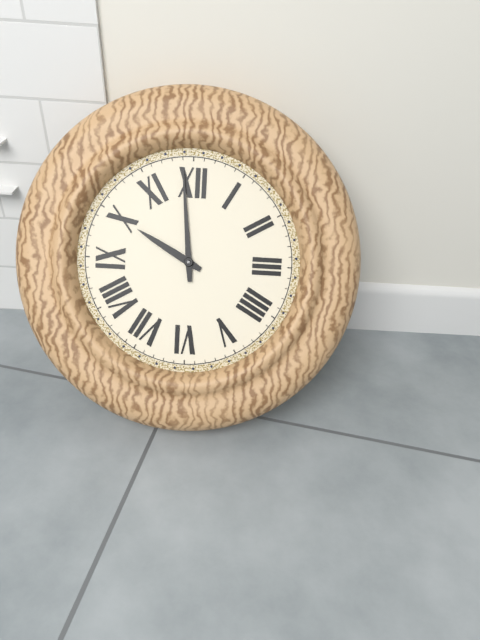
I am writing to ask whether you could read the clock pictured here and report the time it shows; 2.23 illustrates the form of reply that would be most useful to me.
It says 9.59
